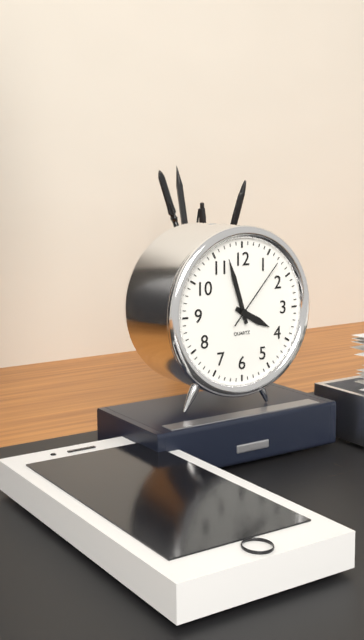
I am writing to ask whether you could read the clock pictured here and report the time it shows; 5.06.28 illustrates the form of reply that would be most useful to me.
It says 3.57.07
